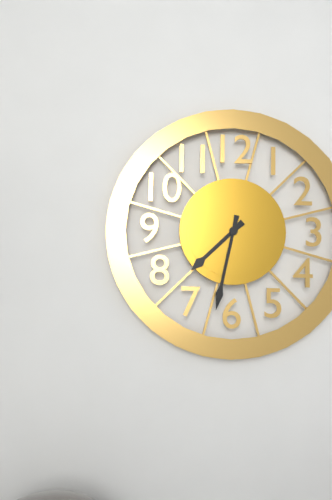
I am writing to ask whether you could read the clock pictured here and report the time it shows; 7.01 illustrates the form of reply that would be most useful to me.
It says 7.32
